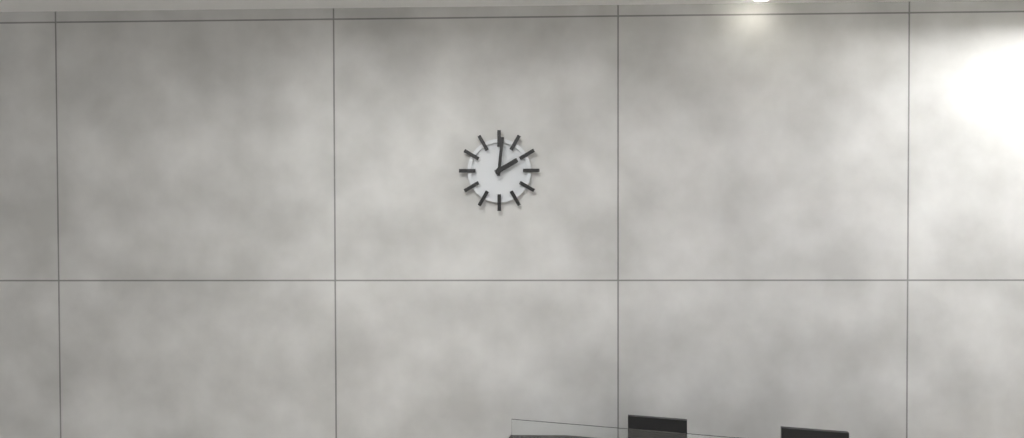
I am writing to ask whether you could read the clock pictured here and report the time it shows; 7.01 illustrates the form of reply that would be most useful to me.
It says 2.01
